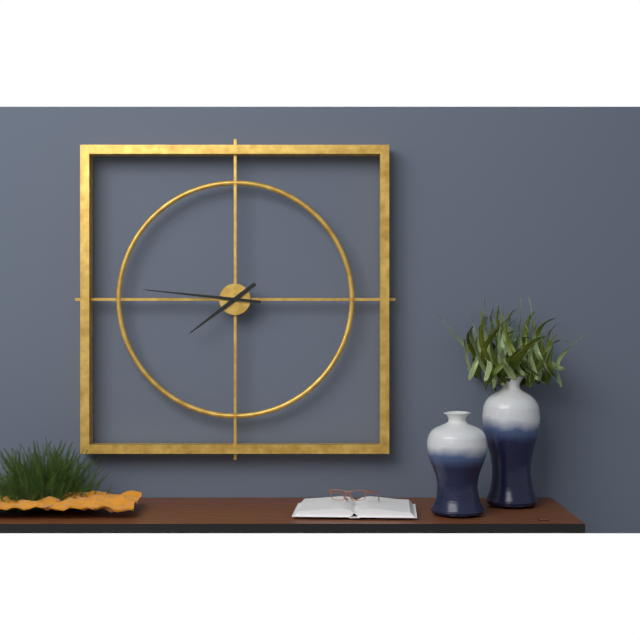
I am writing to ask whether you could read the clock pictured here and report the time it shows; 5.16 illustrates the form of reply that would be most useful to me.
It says 7.46
